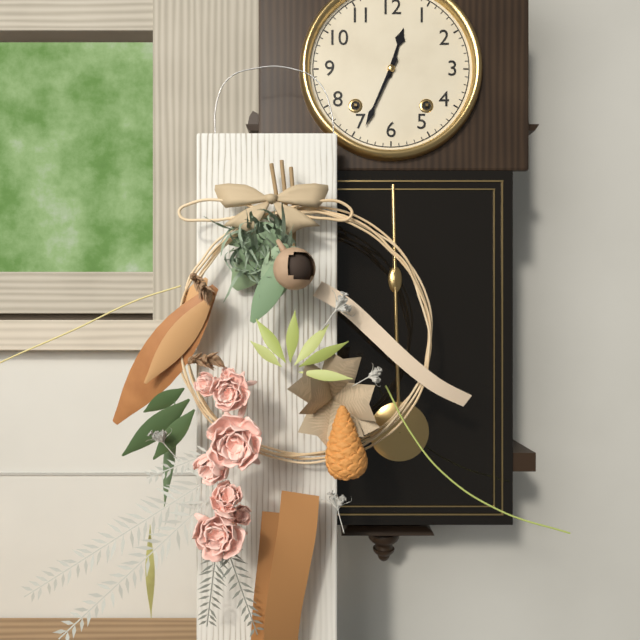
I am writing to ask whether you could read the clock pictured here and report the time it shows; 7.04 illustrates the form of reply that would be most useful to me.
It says 12.34
